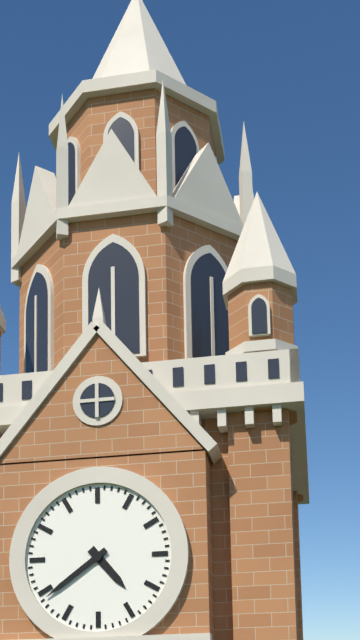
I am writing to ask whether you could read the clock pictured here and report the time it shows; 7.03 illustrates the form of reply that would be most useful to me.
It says 4.39
